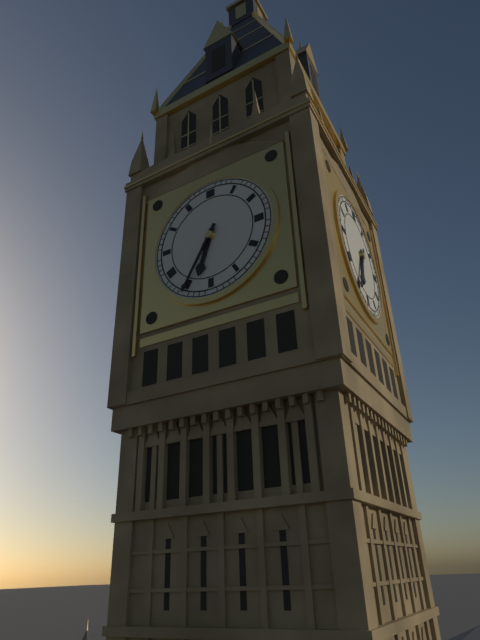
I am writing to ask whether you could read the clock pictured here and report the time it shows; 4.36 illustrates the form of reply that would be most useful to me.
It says 6.35
